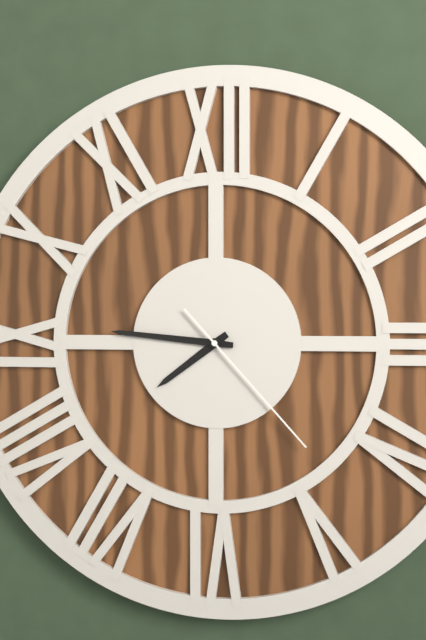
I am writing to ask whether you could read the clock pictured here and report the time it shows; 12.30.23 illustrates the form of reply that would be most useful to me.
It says 7.46.23
